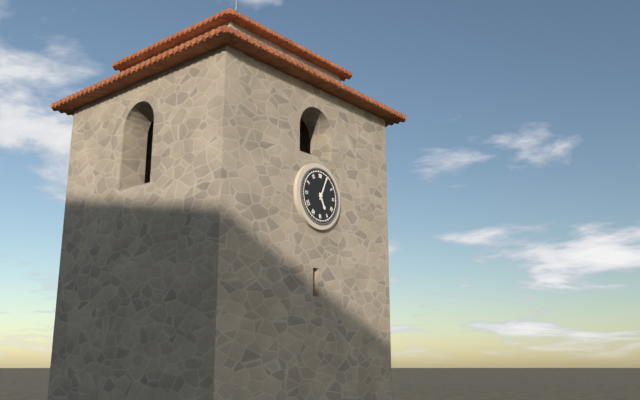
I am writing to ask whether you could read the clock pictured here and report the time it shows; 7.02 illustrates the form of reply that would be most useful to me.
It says 5.04
